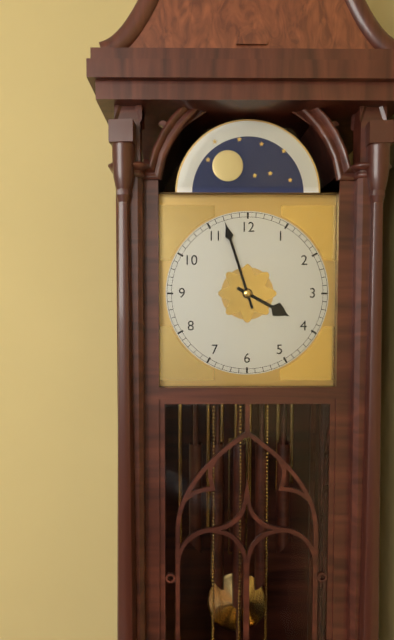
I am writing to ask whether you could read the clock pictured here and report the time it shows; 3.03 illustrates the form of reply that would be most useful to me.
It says 3.57
